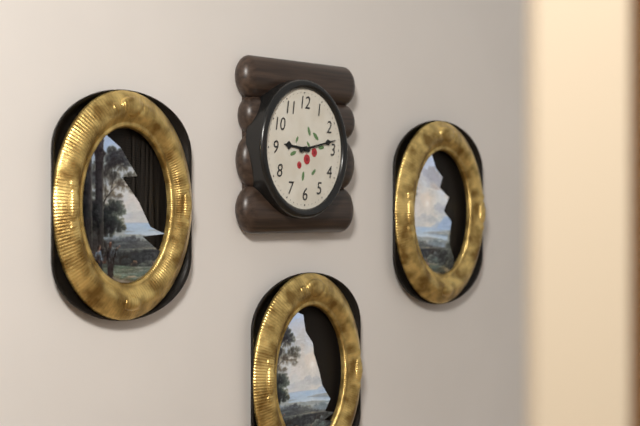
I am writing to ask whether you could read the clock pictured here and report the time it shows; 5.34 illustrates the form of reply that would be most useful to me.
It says 9.13
